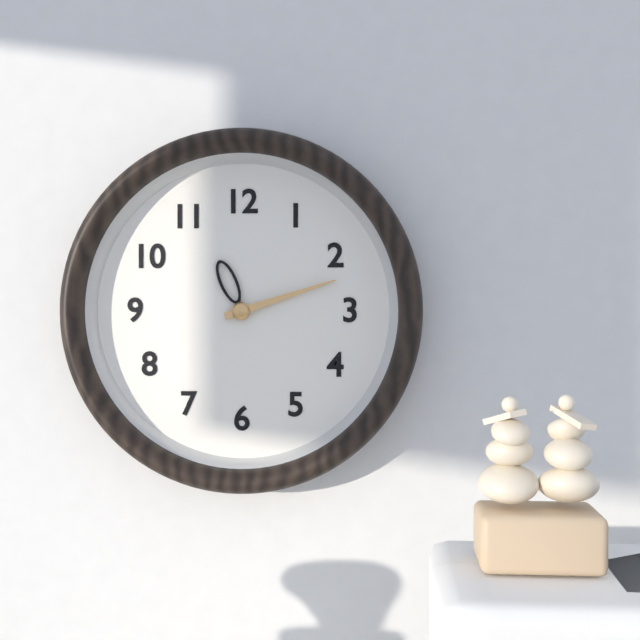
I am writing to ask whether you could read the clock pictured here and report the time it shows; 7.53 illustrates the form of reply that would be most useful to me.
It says 11.12
